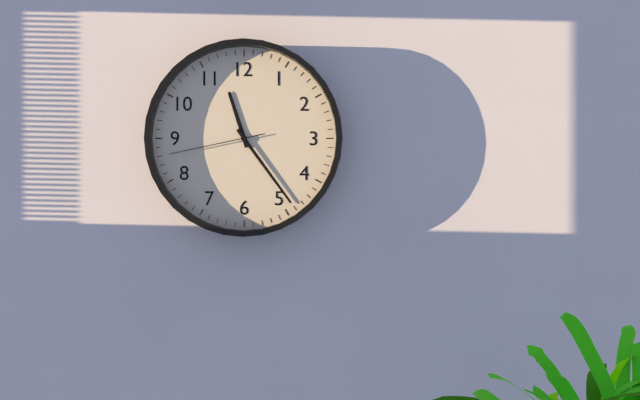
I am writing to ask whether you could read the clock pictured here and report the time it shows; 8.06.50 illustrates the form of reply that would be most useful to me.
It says 11.24.43
